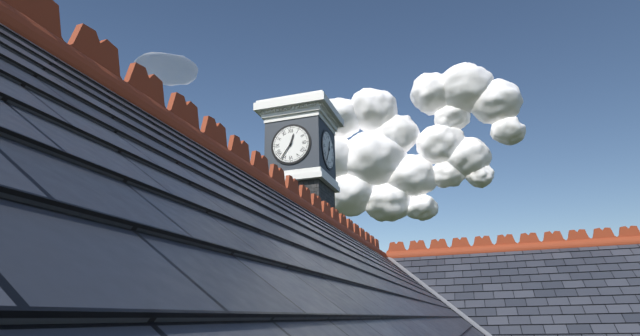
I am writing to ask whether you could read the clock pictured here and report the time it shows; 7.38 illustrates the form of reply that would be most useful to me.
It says 12.36
